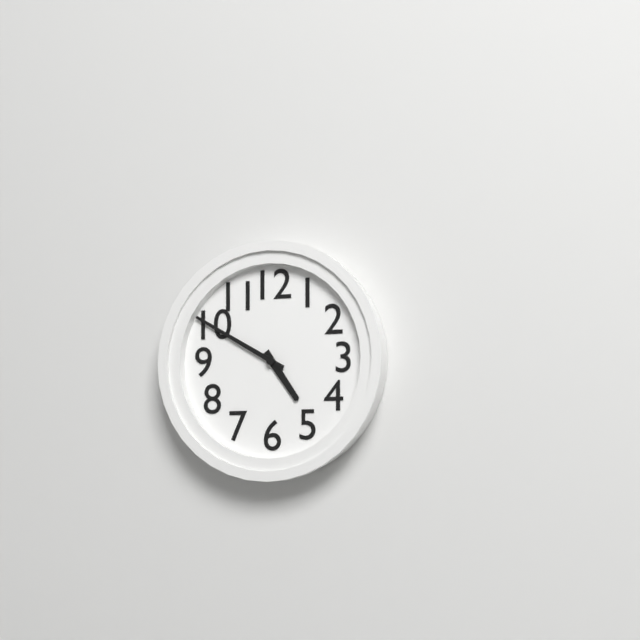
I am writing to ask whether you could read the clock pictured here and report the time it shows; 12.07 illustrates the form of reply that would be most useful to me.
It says 4.50
